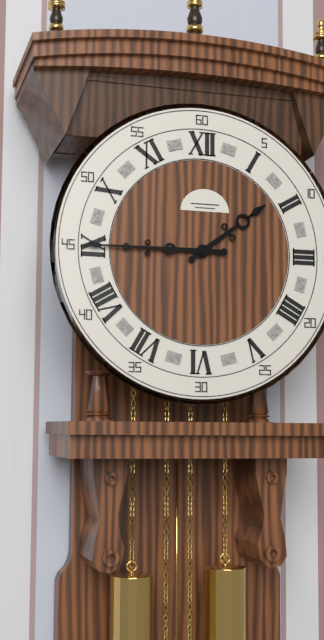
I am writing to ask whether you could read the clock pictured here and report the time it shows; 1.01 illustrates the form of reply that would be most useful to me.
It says 1.45
